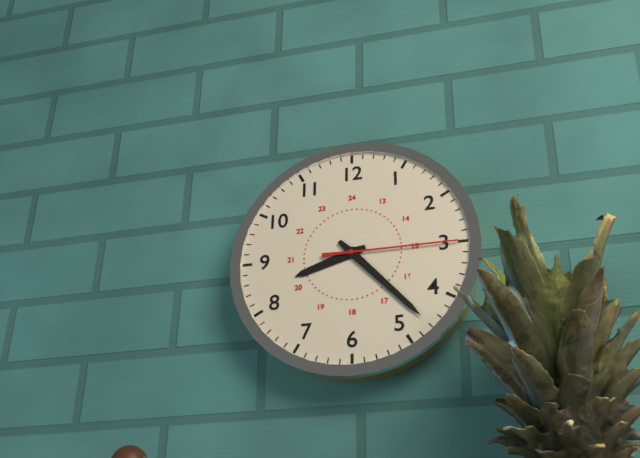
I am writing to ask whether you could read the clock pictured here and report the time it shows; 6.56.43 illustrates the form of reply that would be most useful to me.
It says 8.23.15
